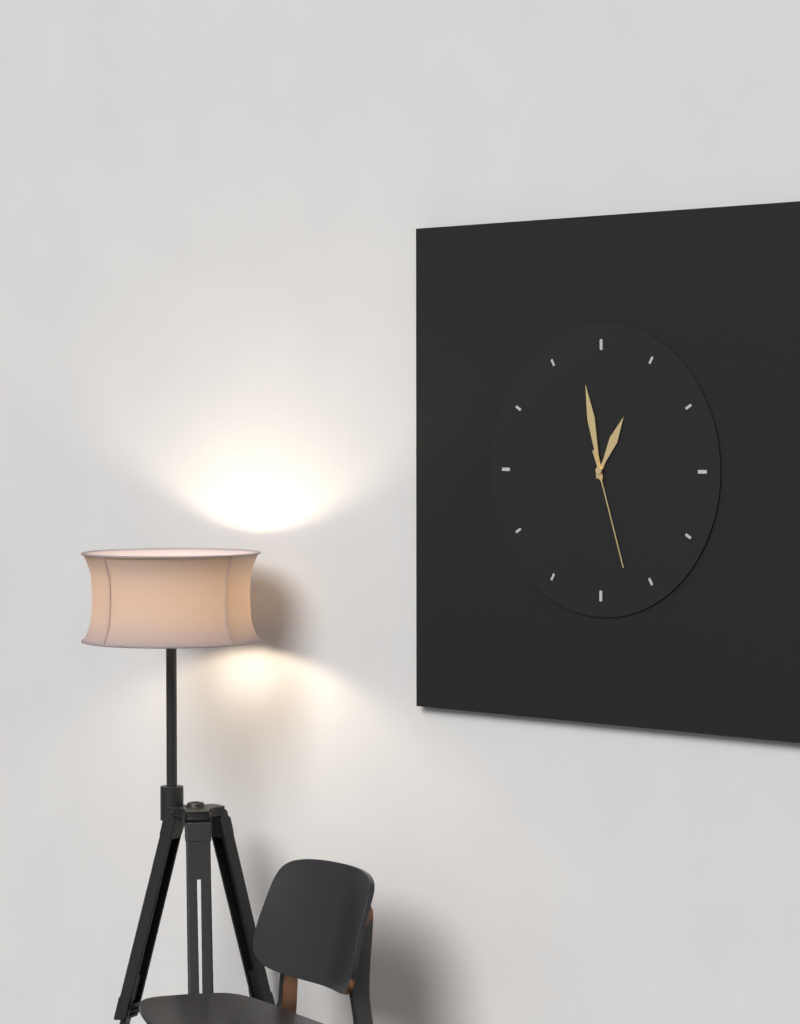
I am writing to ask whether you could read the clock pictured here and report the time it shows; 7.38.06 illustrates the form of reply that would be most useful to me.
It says 12.58.27
